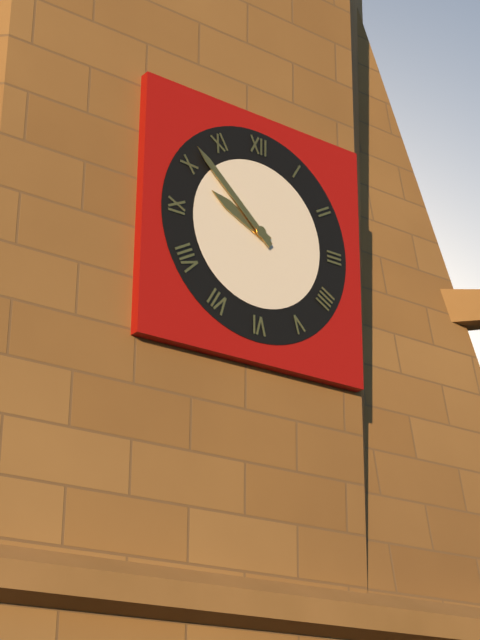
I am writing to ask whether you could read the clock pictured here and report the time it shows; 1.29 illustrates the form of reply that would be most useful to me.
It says 9.52
